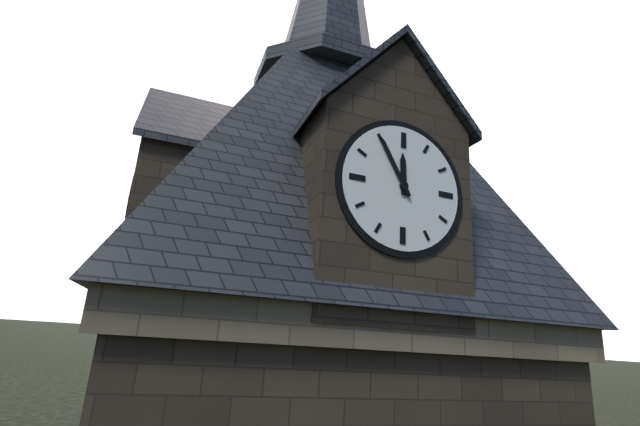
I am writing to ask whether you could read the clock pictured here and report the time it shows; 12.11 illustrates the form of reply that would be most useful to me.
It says 11.55
